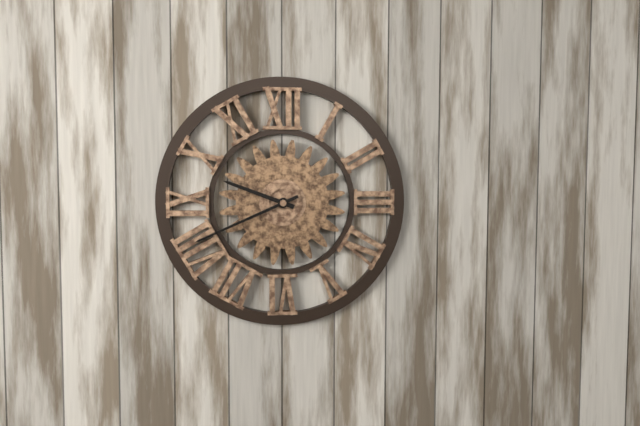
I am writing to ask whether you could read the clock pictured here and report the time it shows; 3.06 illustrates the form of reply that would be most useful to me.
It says 9.41
